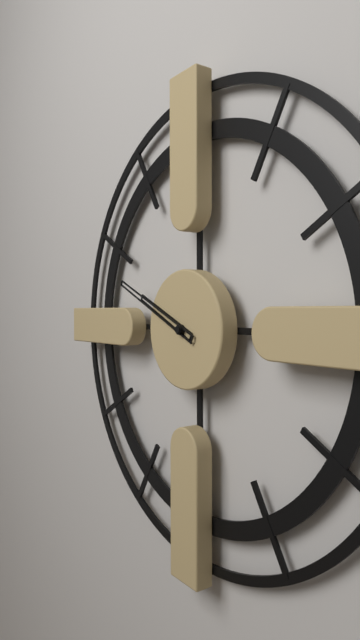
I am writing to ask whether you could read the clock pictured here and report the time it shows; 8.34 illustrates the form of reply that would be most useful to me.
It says 9.49
